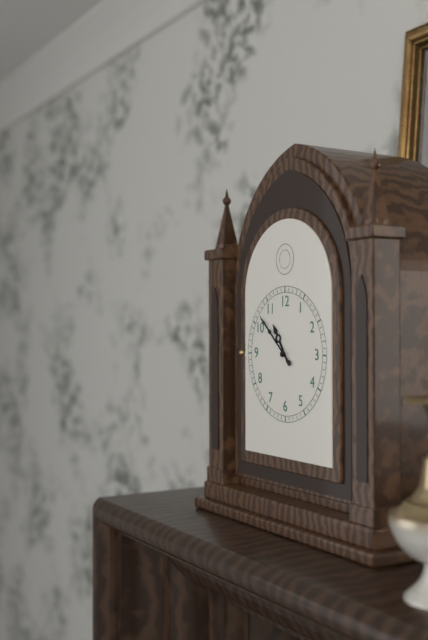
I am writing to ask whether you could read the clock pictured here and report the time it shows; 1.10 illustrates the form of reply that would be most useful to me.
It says 10.52
